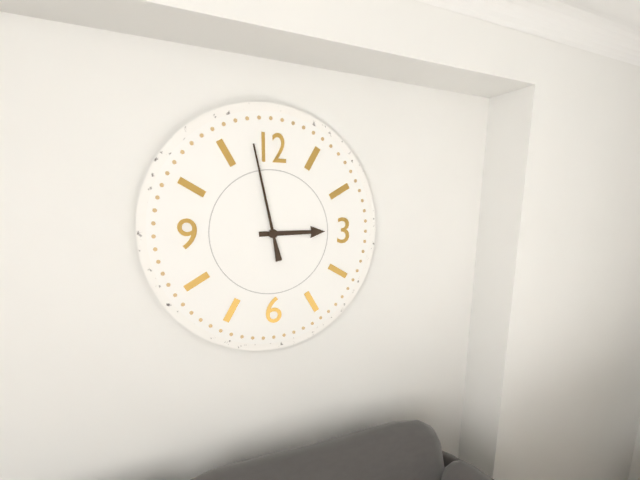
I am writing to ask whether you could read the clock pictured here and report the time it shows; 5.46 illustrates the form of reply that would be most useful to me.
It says 2.58
